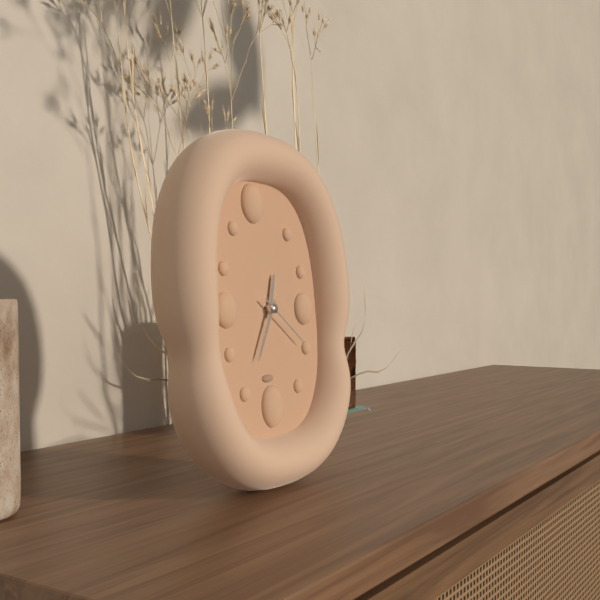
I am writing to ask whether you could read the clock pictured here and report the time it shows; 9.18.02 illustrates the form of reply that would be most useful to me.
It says 12.35.21
